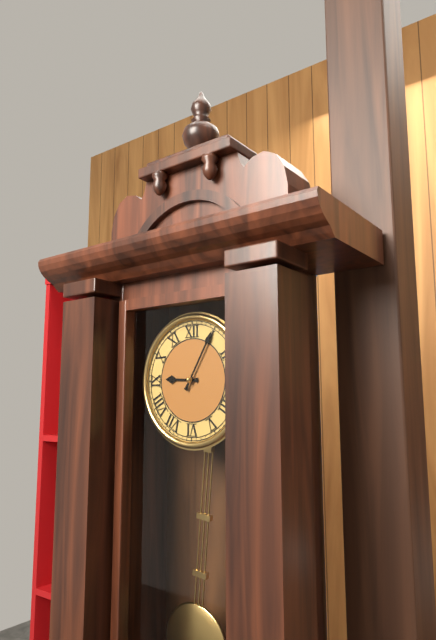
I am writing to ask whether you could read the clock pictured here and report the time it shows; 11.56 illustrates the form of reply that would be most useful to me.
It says 9.05
